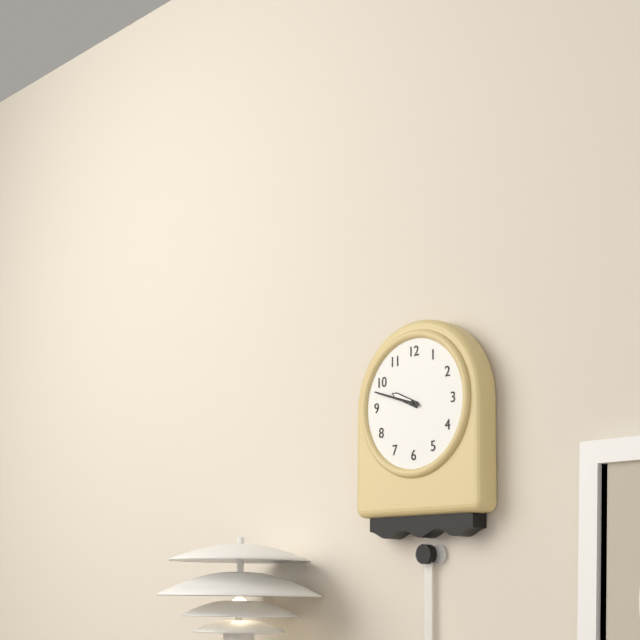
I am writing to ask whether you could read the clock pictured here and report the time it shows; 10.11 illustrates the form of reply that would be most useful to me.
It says 9.48
